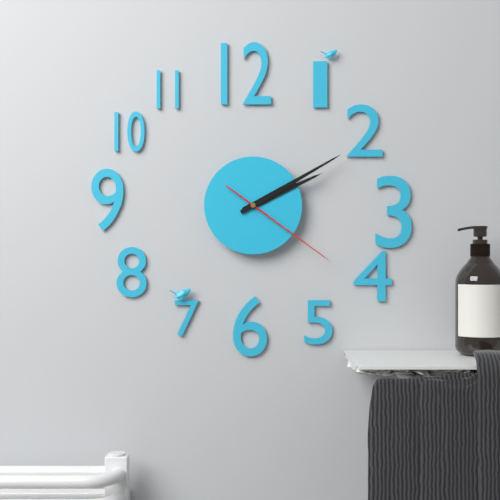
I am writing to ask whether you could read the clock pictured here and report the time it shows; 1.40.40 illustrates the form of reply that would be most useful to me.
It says 2.10.21
